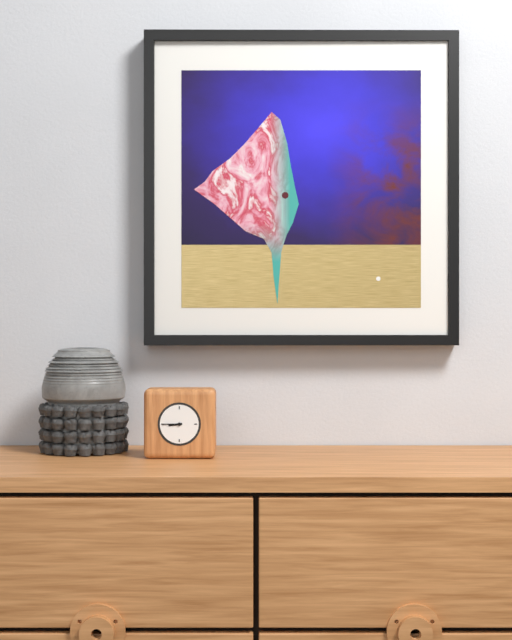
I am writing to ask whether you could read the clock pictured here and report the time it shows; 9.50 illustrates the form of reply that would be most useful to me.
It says 8.45
